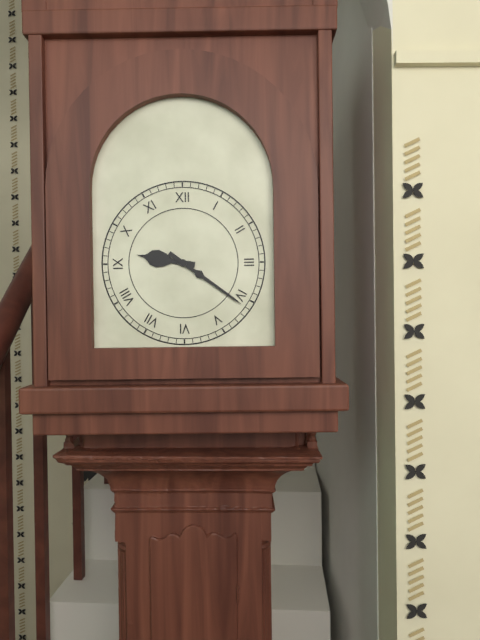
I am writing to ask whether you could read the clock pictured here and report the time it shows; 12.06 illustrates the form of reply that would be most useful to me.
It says 9.21
